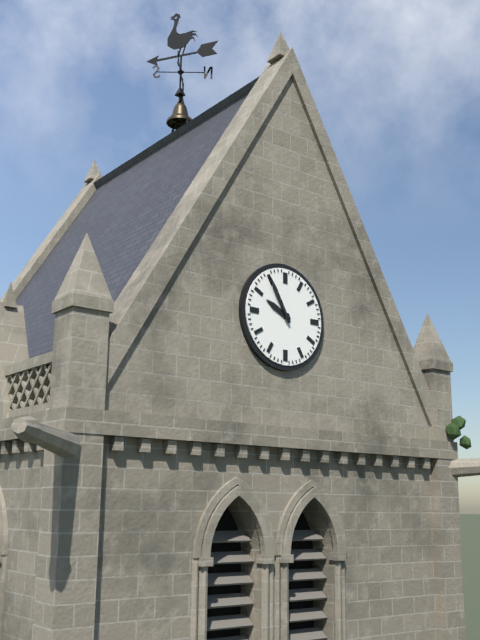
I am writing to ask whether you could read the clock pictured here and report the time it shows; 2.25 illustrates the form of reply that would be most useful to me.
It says 9.55
